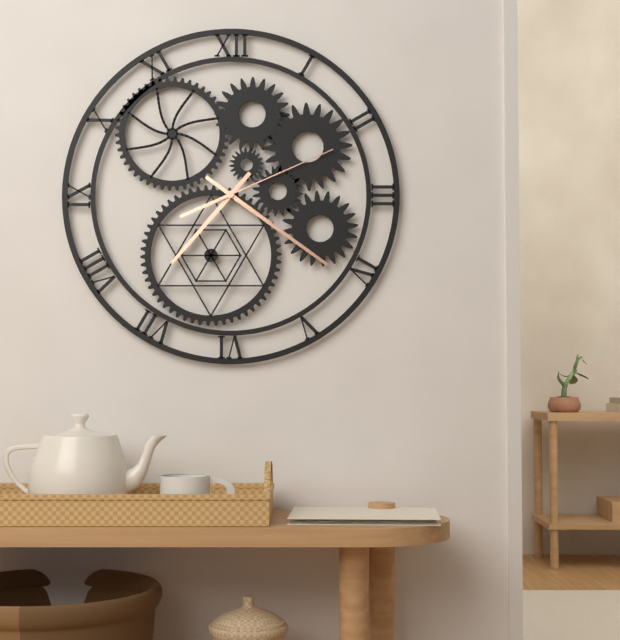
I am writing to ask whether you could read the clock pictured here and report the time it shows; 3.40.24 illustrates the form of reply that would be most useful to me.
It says 7.21.11
